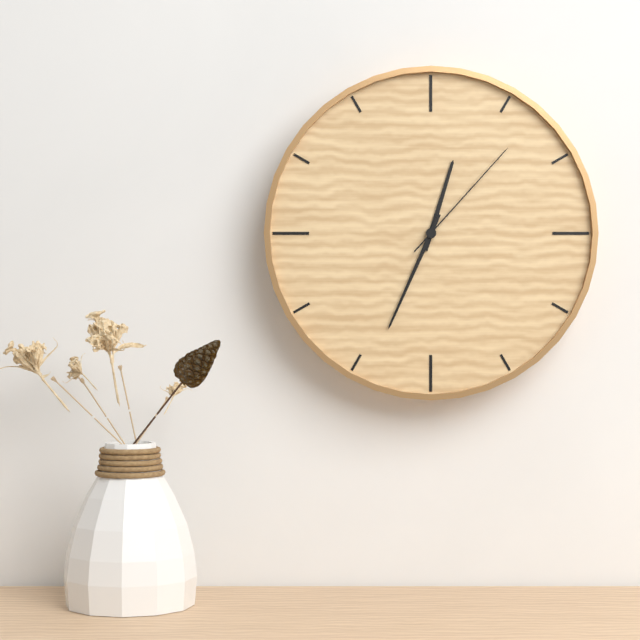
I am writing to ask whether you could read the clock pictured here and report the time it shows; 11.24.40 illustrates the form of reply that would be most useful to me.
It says 12.34.07
